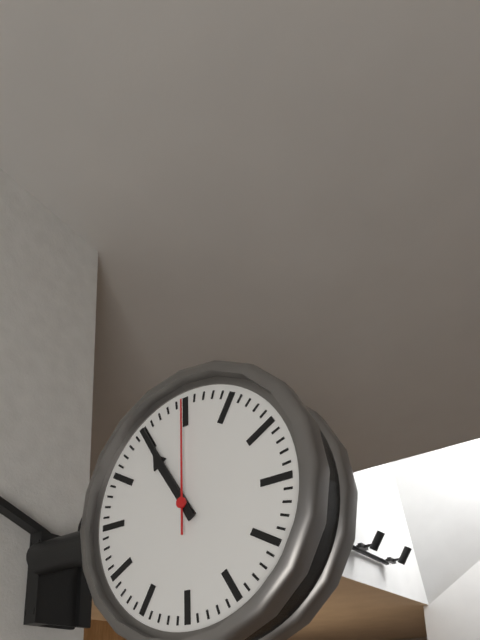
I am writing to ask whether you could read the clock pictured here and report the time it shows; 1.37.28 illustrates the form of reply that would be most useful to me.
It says 10.55.00
